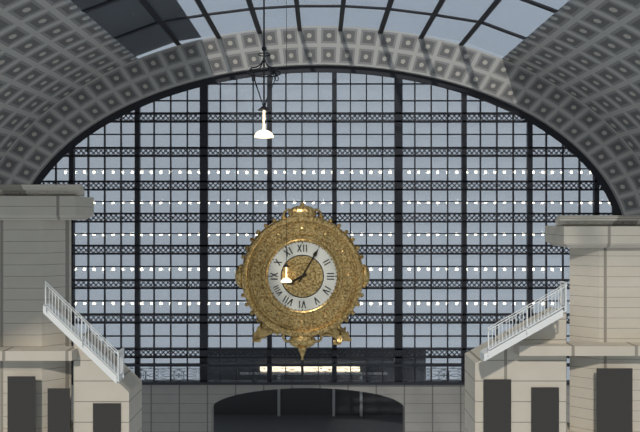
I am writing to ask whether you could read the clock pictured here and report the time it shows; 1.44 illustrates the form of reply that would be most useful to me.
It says 8.05
